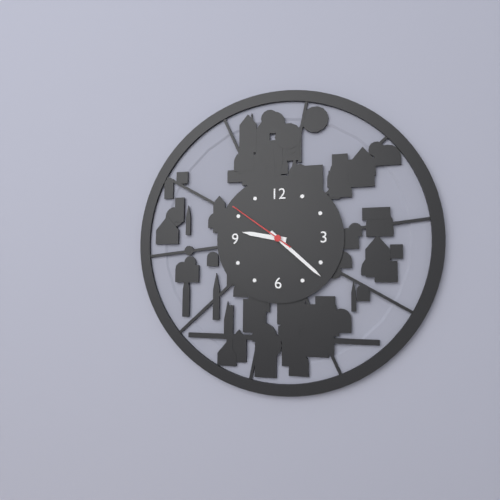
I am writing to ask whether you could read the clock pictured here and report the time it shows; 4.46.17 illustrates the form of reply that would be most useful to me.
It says 9.22.51
